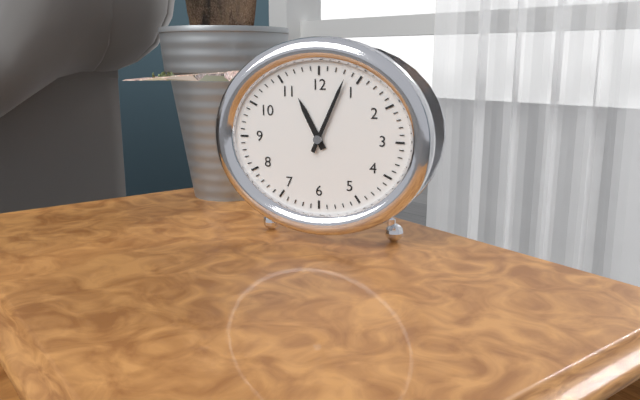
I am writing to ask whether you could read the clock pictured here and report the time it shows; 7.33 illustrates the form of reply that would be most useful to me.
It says 11.04
